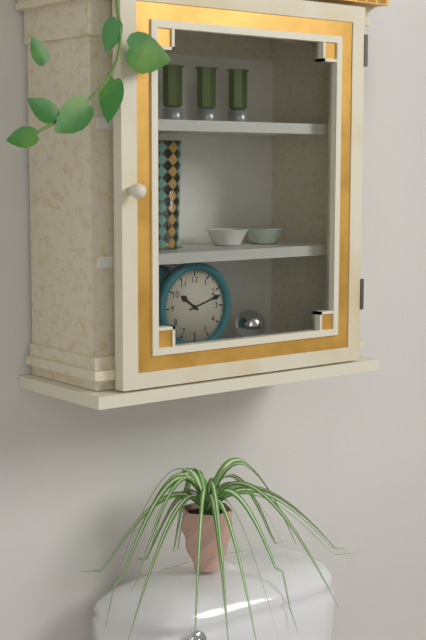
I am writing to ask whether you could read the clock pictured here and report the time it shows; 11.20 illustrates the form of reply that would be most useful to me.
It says 10.12
